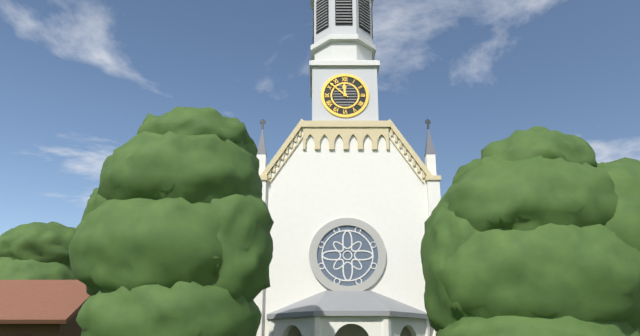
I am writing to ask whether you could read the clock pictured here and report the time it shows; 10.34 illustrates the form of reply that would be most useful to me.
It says 11.52
